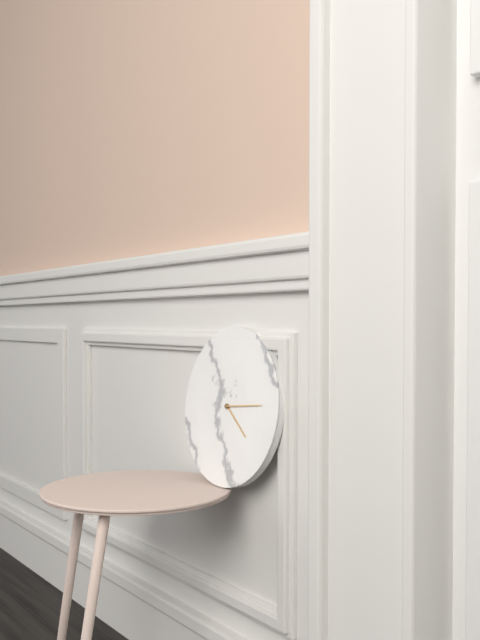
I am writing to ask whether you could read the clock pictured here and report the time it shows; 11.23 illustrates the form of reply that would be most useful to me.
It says 4.14
